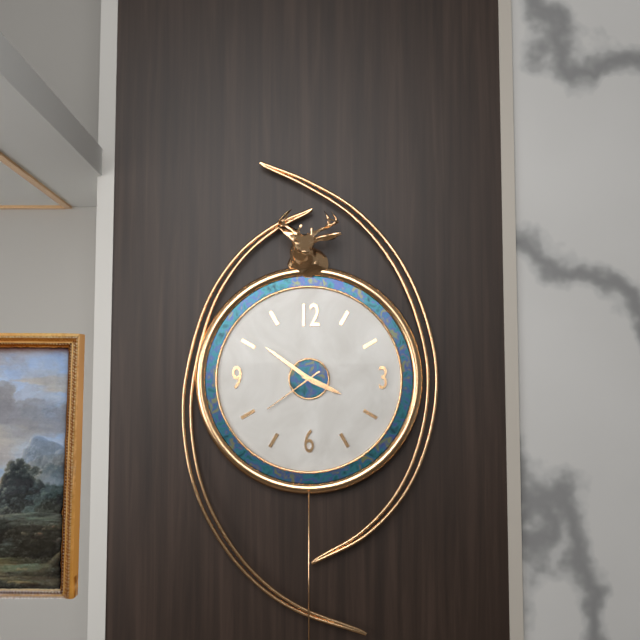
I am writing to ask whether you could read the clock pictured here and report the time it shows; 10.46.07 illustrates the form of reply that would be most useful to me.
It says 3.51.39
